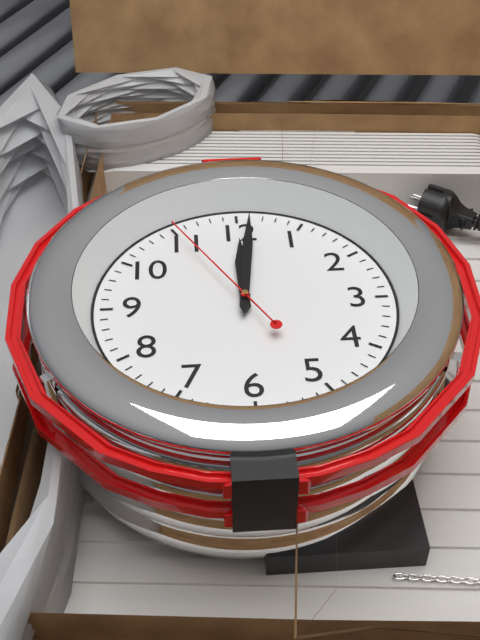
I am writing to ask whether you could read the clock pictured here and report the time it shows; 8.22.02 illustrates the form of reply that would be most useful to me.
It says 12.01.55
